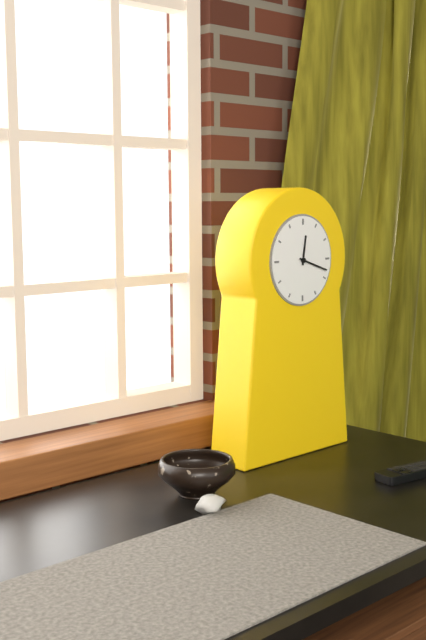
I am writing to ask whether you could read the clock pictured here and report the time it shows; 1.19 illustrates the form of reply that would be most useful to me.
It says 12.18
